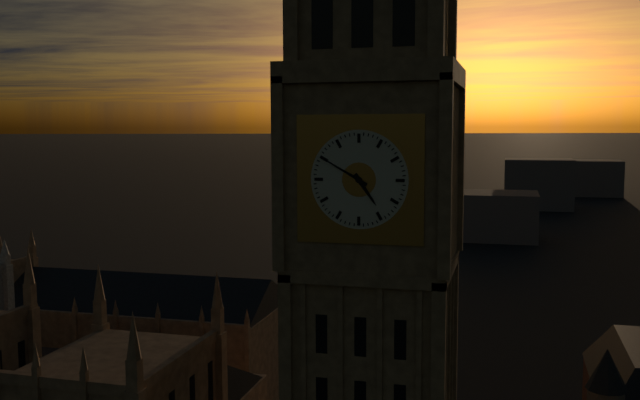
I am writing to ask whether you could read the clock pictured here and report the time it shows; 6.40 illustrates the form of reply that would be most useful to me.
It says 4.50
